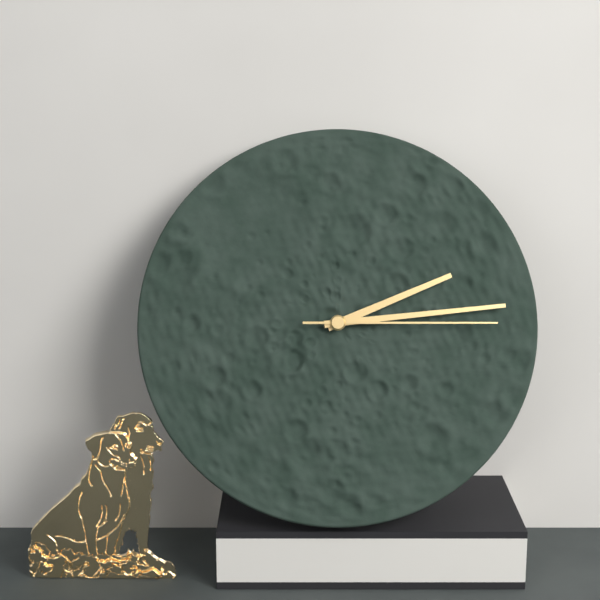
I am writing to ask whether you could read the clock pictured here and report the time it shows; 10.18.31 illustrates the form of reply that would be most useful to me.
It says 2.14.15
